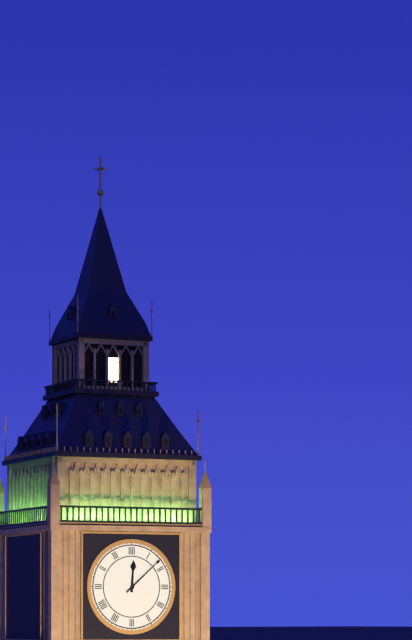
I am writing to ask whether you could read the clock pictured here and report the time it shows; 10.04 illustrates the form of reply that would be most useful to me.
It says 12.08
